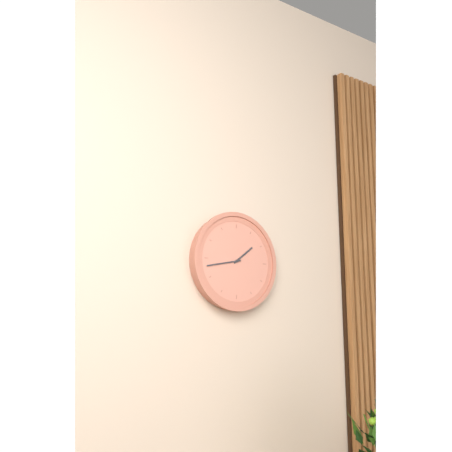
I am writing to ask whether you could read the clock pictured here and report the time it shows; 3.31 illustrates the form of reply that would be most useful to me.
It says 1.43
